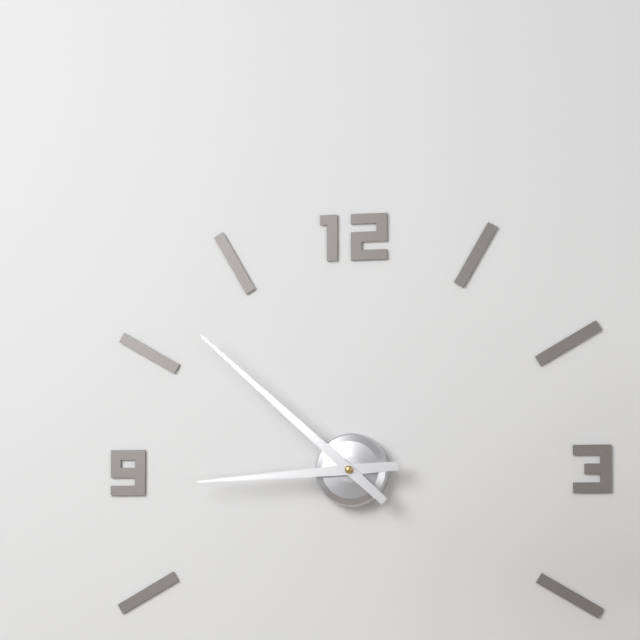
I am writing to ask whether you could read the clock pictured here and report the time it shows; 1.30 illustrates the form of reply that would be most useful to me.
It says 8.52
